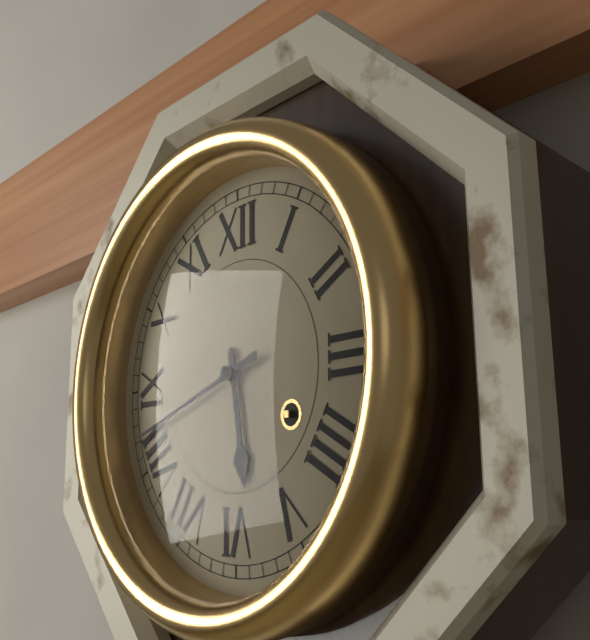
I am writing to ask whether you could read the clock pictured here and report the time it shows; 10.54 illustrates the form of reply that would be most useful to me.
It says 5.42
